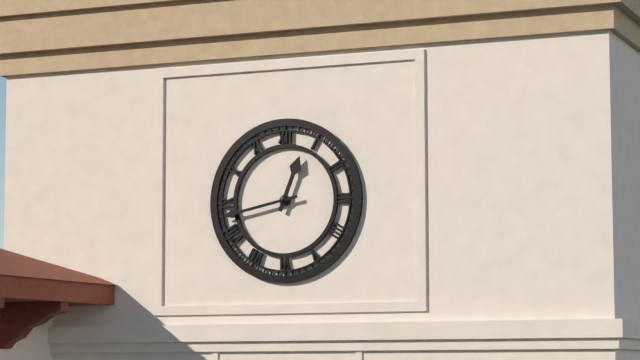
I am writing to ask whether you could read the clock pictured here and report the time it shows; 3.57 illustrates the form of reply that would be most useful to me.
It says 12.43
